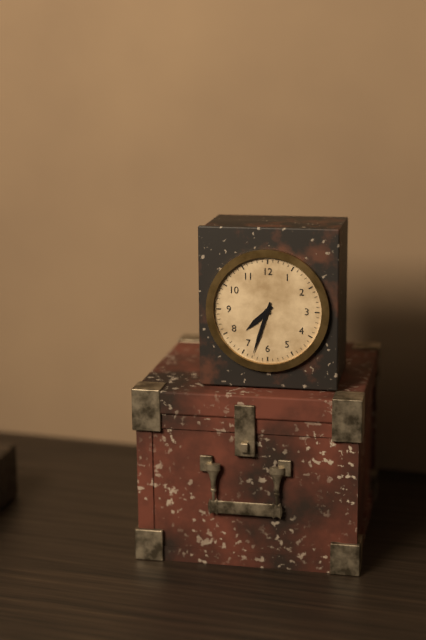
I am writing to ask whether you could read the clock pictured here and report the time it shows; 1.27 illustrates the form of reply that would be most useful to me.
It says 7.33
